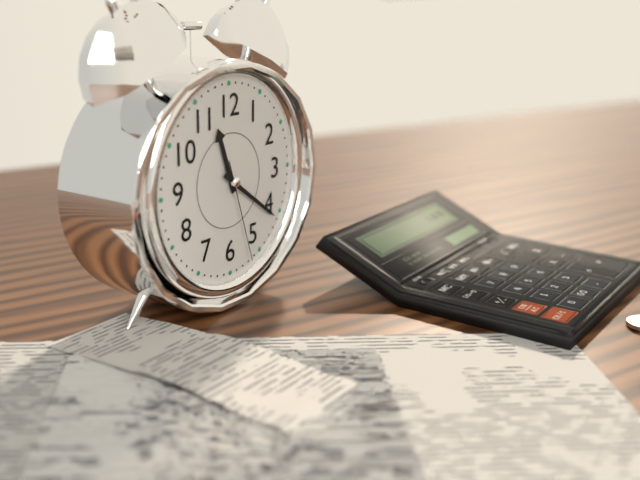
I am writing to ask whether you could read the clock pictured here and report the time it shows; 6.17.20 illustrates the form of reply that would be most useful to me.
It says 11.21.27
